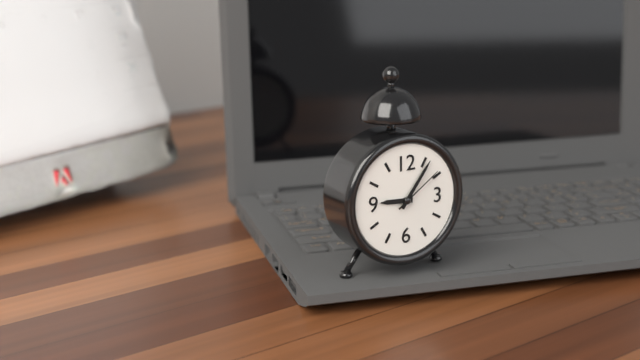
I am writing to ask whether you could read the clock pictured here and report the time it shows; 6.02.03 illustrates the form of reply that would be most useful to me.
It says 9.06.09
